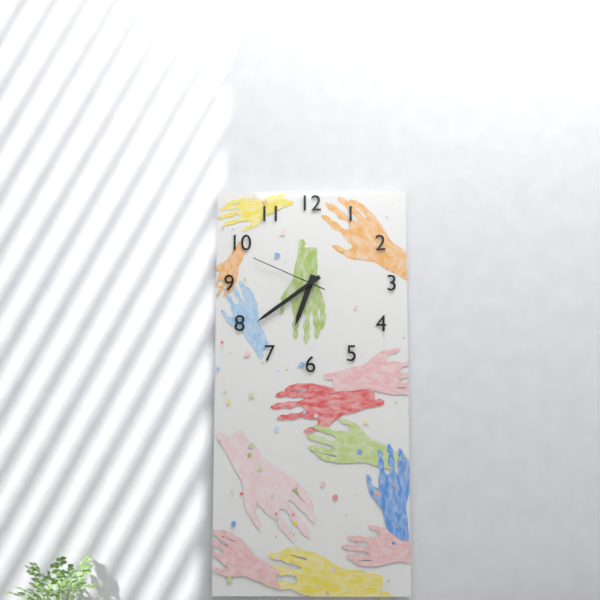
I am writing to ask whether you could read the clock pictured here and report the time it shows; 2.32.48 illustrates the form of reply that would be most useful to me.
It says 6.39.49
